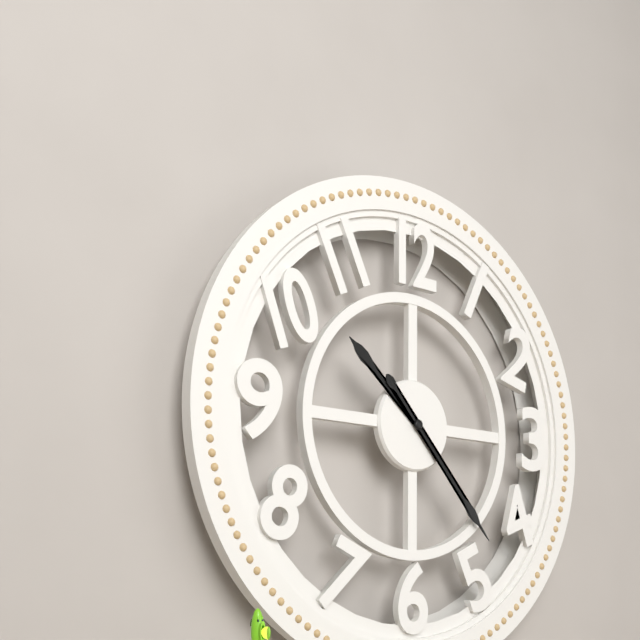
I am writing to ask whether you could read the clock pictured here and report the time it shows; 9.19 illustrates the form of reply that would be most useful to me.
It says 10.23
